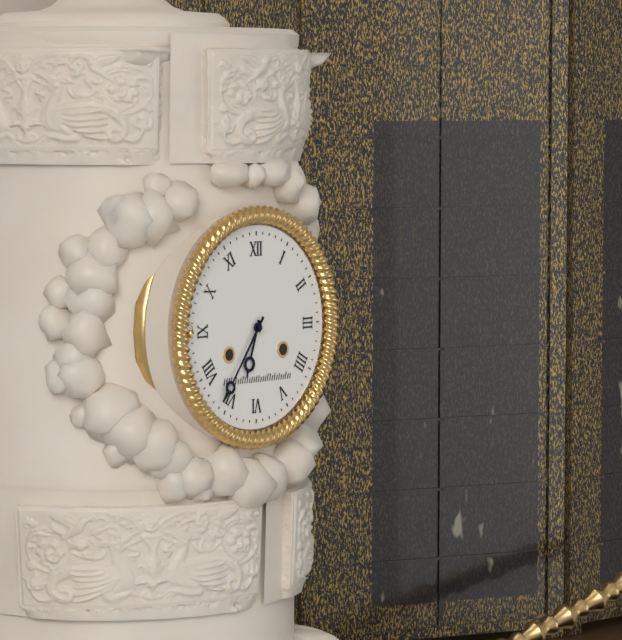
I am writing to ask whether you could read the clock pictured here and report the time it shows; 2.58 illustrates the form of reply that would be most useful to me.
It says 6.36
